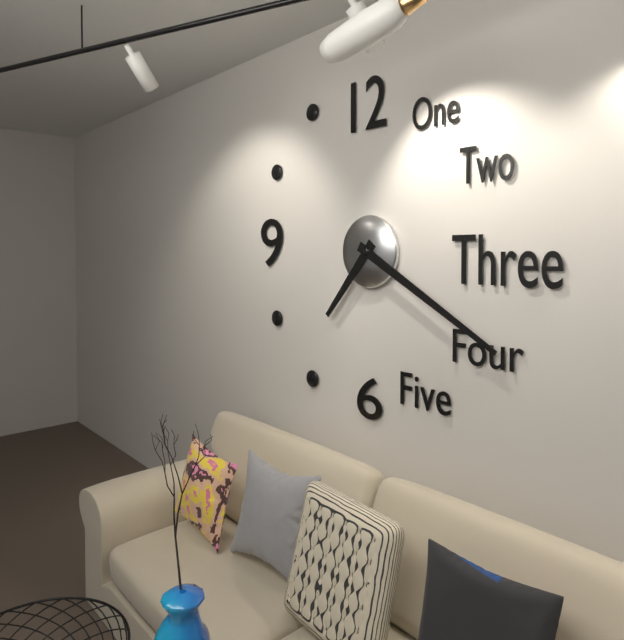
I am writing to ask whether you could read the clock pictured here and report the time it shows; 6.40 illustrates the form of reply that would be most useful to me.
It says 7.20
